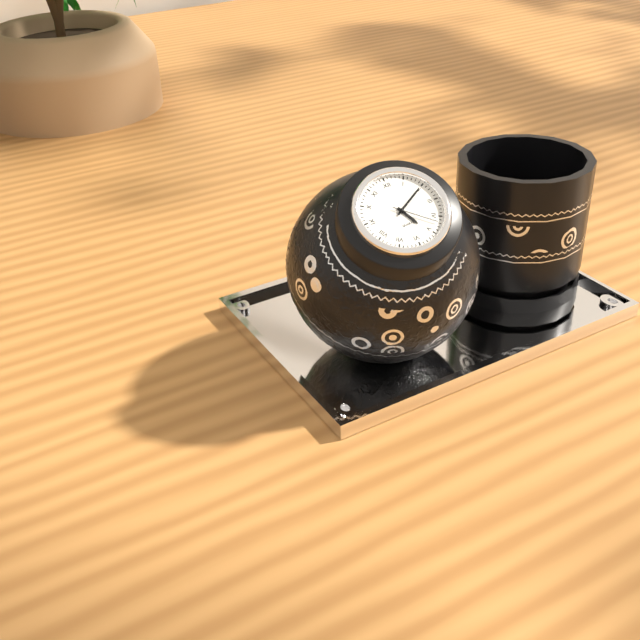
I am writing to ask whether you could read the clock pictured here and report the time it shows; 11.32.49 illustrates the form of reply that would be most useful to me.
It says 5.10.22
